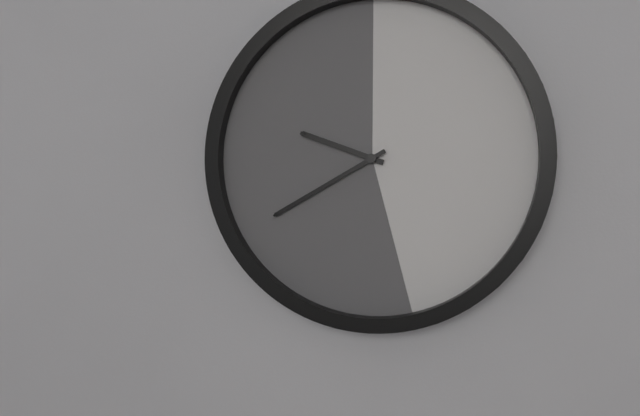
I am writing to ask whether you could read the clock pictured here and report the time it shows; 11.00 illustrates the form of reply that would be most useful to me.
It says 9.40
